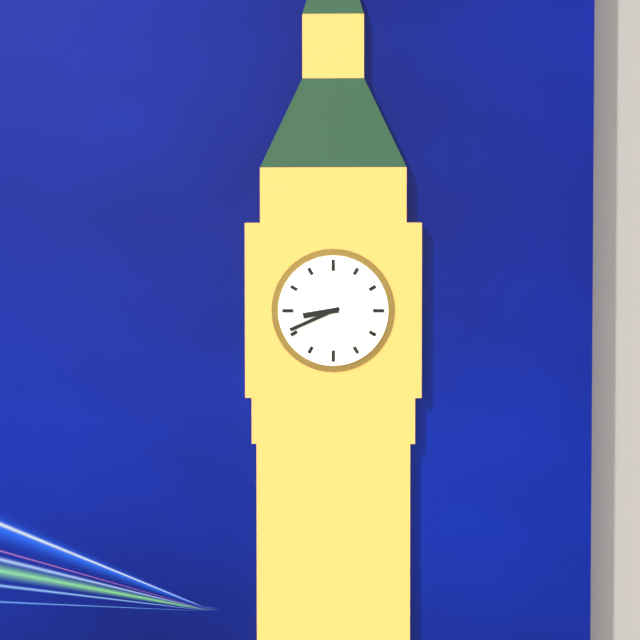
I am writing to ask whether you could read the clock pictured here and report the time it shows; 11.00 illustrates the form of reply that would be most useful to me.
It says 8.41
